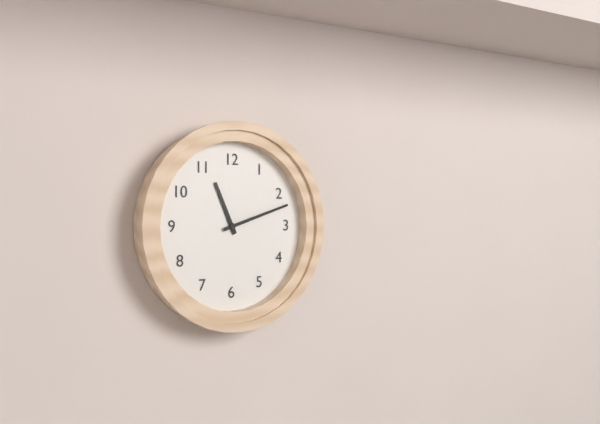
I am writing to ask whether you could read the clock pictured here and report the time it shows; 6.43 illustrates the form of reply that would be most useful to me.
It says 11.12
